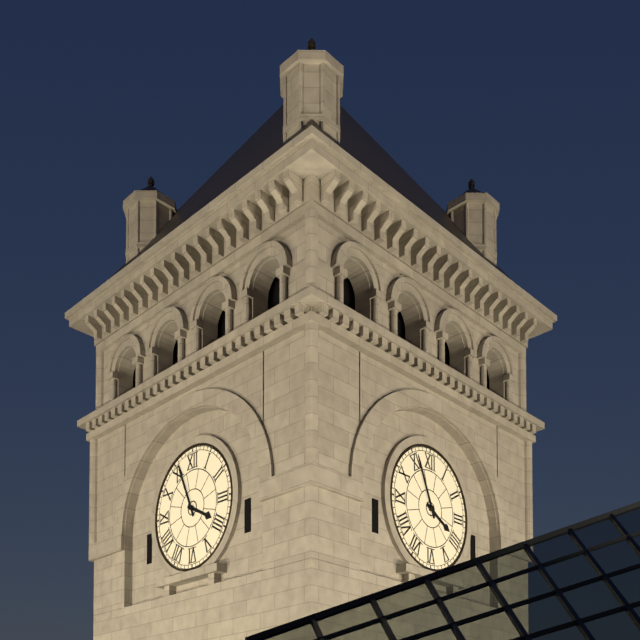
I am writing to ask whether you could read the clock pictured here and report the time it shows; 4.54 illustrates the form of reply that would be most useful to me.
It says 3.56
